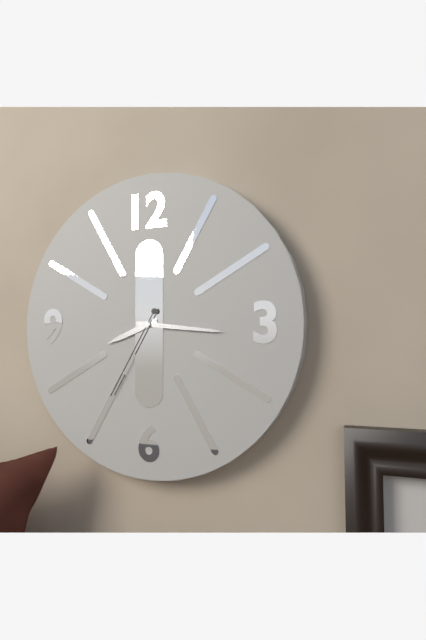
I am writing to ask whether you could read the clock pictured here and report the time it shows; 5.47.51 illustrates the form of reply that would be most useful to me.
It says 8.16.35
